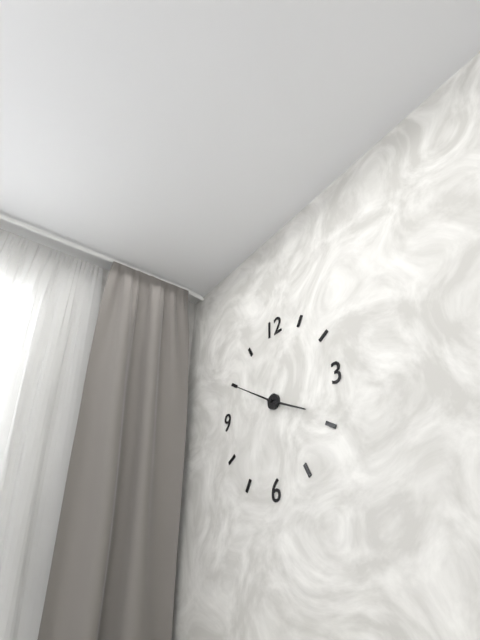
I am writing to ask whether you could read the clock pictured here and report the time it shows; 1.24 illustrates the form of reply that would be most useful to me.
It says 3.50
